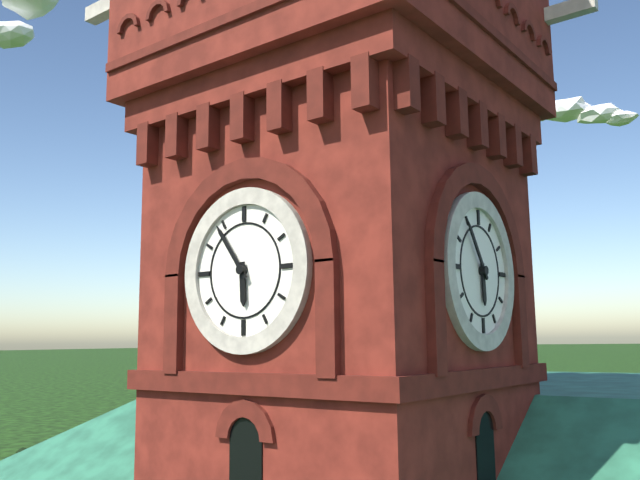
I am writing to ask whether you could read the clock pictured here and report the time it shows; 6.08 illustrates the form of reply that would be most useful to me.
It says 5.54
